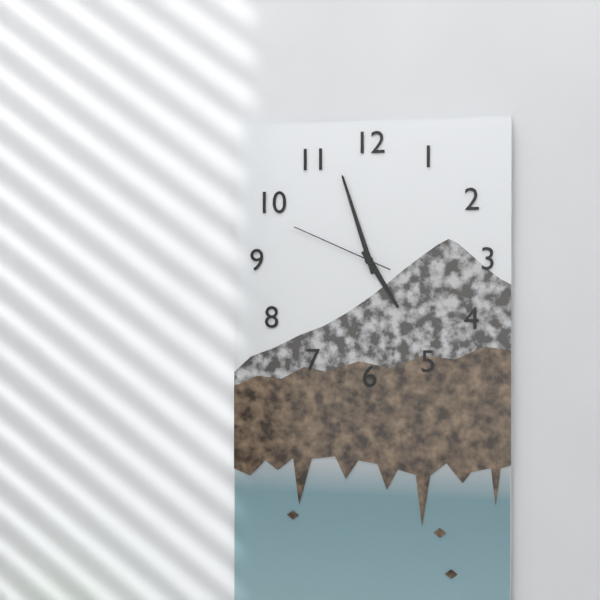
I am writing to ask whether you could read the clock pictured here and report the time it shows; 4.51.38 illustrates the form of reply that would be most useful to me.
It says 4.57.49
